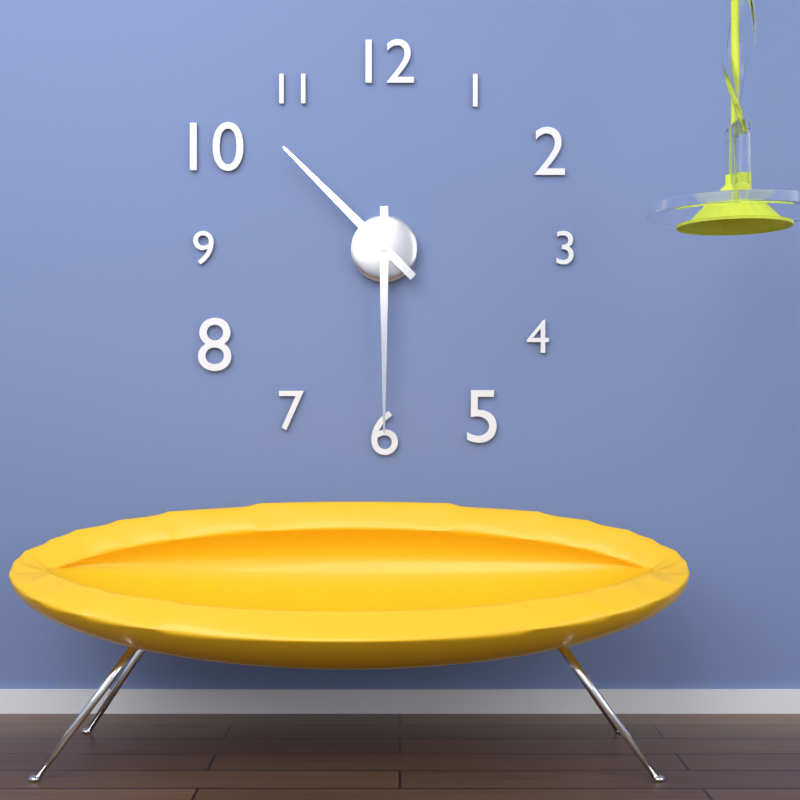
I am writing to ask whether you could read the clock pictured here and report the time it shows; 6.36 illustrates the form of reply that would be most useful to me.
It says 10.30
